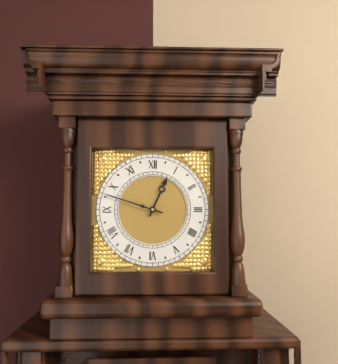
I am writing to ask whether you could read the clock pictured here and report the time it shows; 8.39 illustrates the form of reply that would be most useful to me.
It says 12.48
